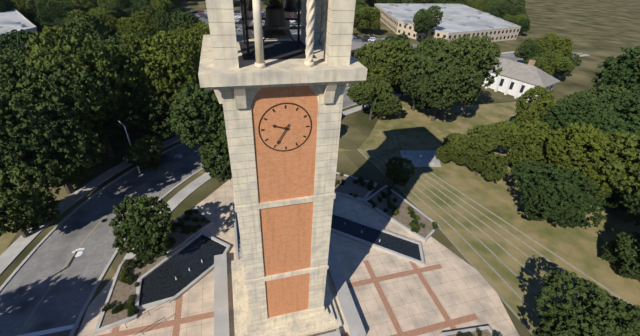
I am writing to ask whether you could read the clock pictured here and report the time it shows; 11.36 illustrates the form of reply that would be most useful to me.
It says 9.35
